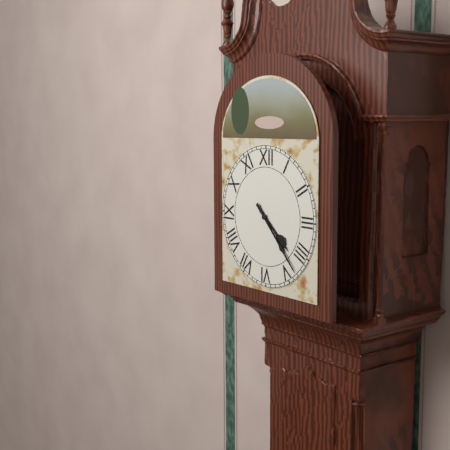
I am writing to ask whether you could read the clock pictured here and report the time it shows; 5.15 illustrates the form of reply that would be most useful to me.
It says 4.23
